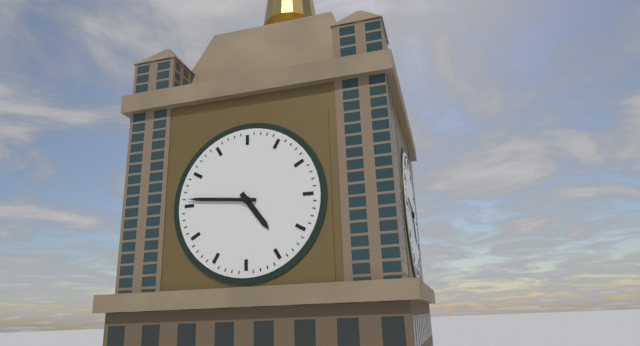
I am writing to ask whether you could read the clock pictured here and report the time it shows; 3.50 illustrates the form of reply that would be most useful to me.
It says 4.46
